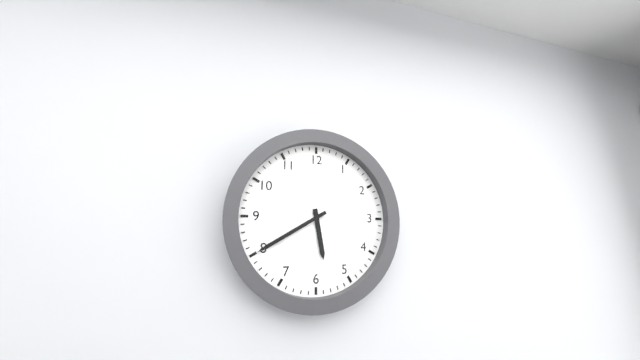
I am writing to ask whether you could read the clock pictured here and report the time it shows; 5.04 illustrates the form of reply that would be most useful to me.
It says 5.40
